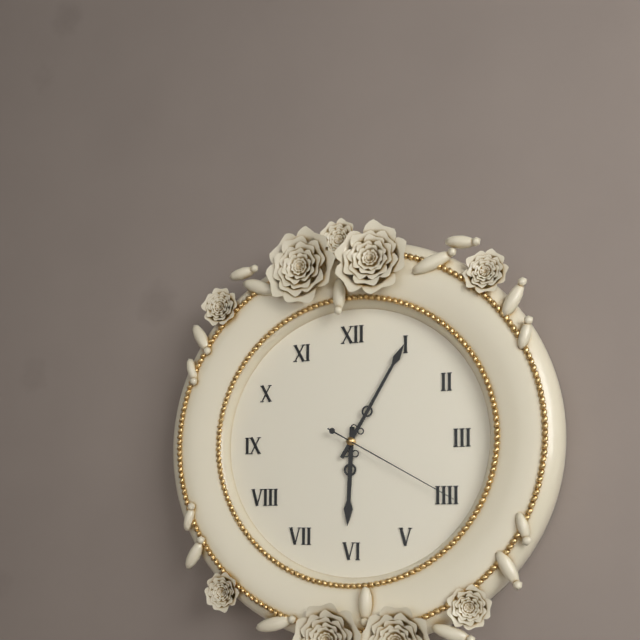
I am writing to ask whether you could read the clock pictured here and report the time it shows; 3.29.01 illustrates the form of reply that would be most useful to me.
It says 6.05.20
